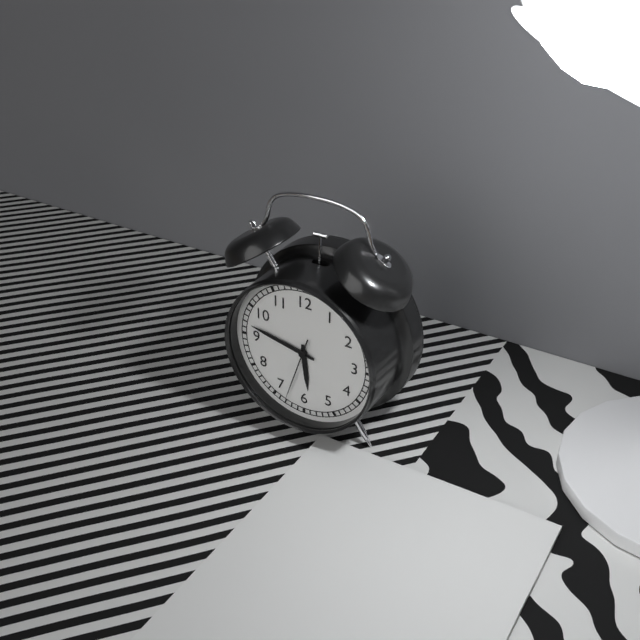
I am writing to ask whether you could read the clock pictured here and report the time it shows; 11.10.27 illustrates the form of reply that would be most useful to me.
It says 5.47.33
